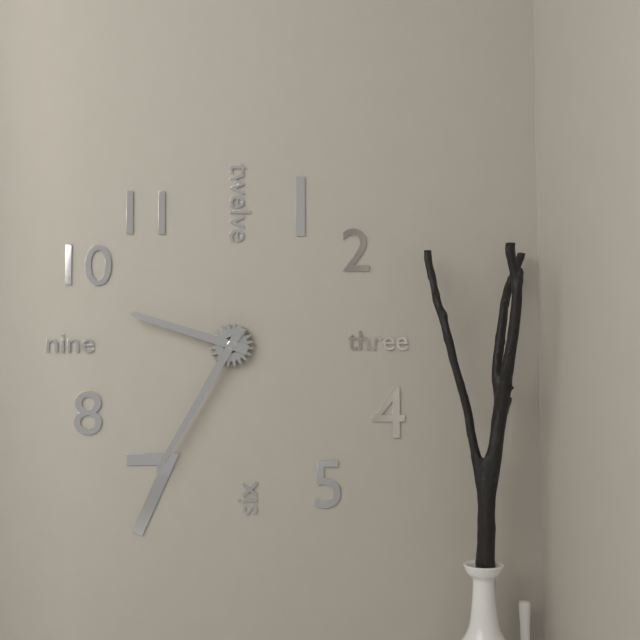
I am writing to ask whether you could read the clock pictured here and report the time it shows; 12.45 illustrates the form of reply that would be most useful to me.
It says 9.35
